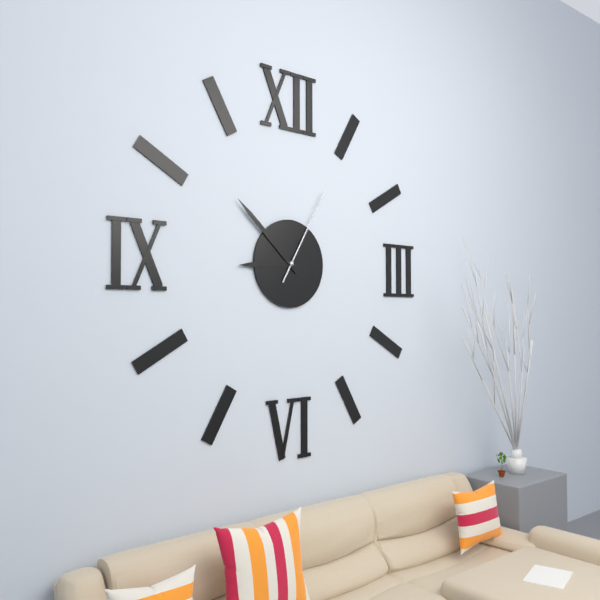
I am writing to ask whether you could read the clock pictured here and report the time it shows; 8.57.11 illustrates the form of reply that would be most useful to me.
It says 8.52.05
